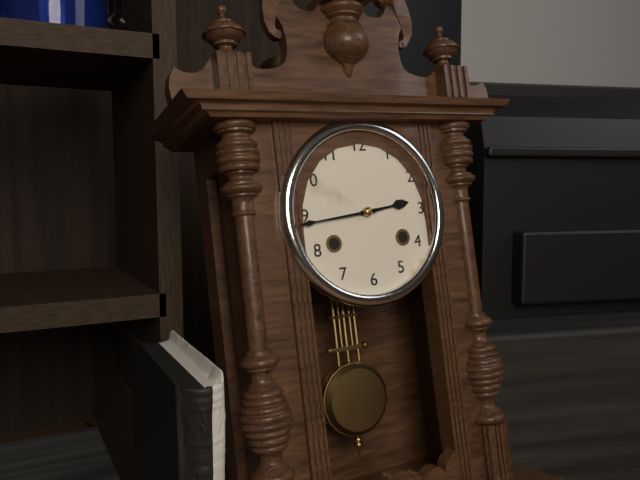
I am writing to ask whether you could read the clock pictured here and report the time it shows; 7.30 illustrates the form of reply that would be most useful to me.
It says 2.44
